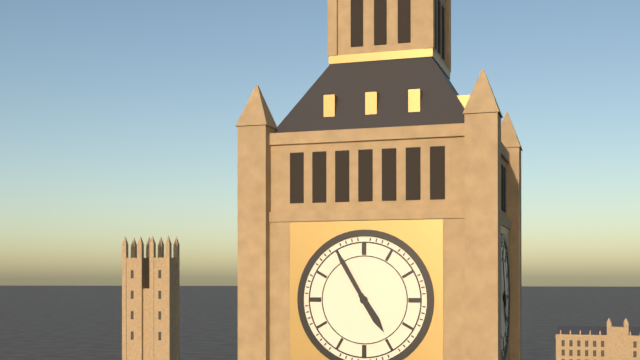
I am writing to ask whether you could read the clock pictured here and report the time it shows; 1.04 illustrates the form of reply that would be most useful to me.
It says 4.55
